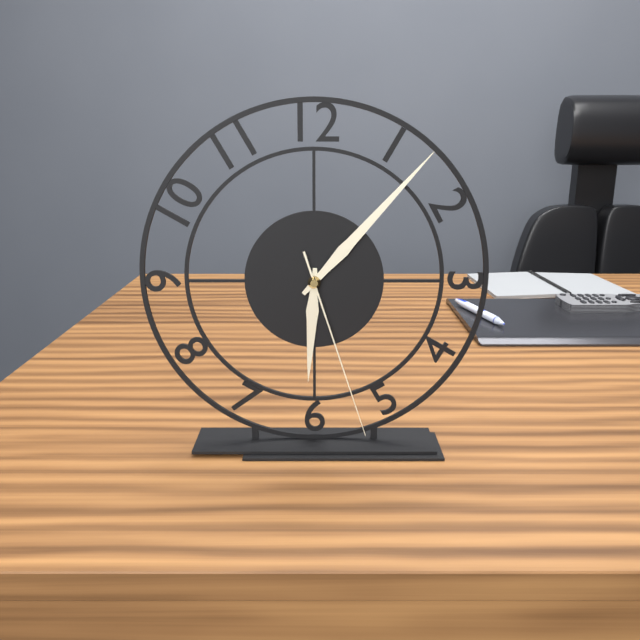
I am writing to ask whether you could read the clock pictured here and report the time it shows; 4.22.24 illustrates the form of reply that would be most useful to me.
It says 6.07.27
